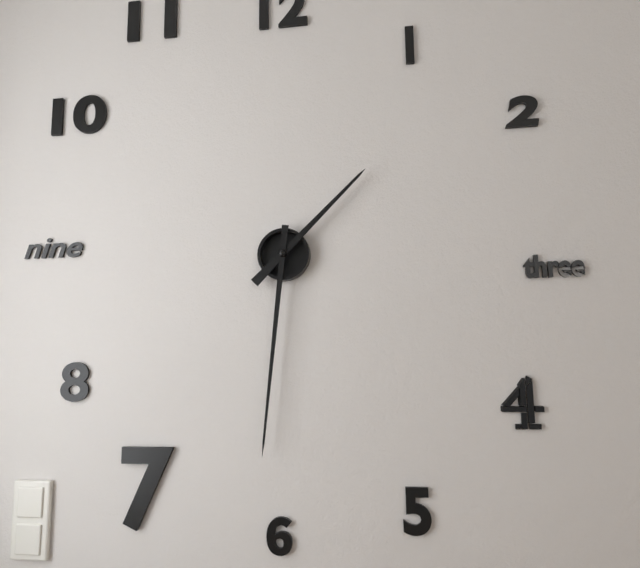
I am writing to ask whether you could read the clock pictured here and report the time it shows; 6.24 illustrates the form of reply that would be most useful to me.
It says 1.31
